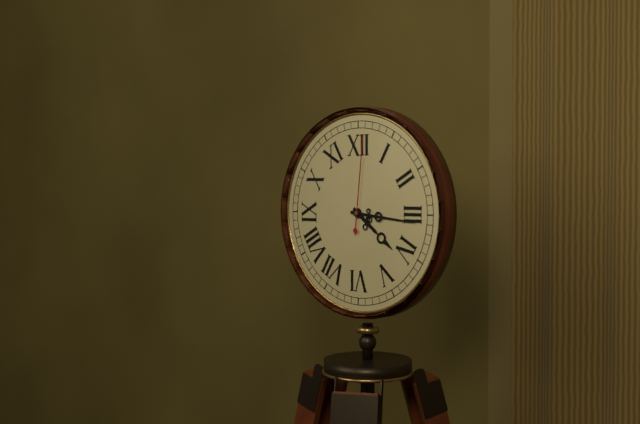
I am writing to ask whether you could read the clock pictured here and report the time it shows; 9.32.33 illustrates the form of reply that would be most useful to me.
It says 4.16.01
